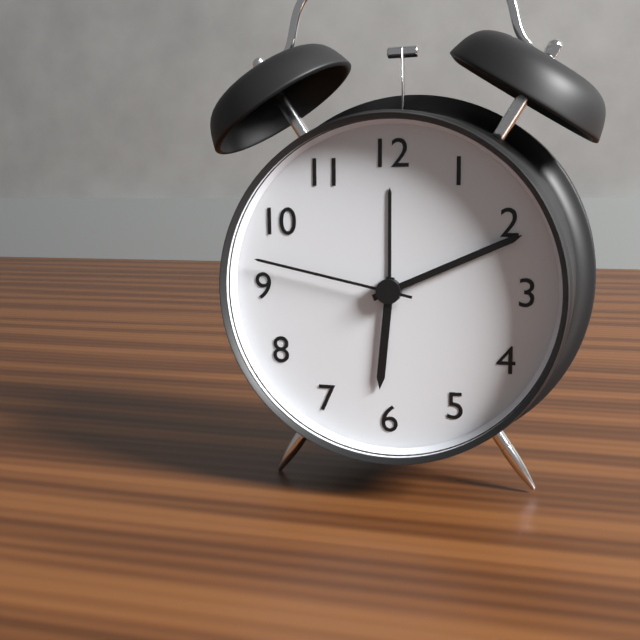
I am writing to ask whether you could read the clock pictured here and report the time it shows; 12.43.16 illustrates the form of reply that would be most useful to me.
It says 6.11.47
